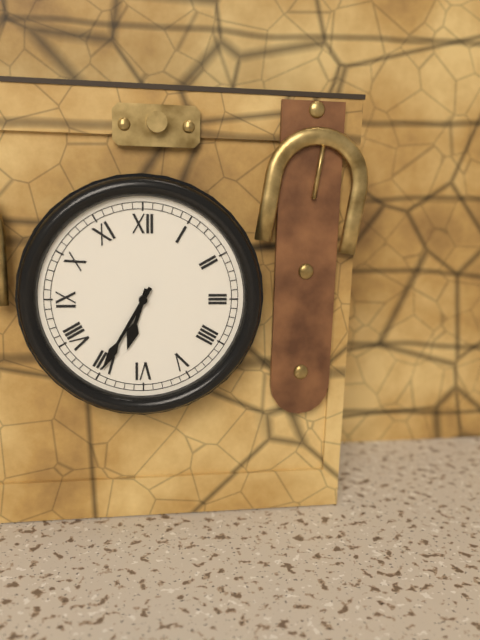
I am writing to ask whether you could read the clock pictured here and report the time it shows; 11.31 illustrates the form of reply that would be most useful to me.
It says 6.35
